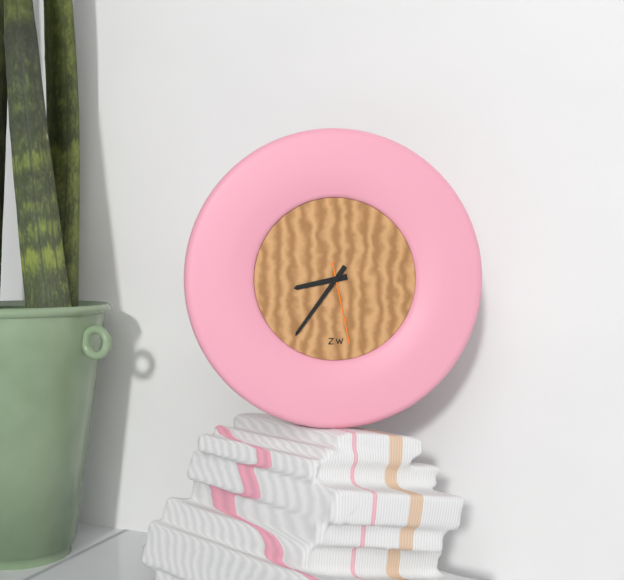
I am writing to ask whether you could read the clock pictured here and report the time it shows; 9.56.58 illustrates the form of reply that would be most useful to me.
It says 8.36.28
